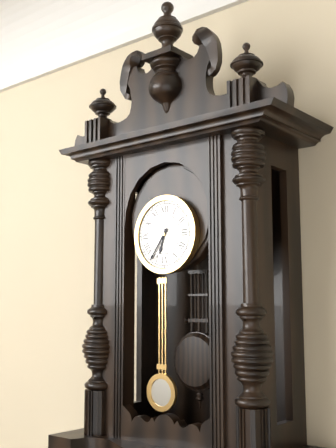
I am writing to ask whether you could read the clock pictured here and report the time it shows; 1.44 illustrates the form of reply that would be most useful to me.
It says 6.36
